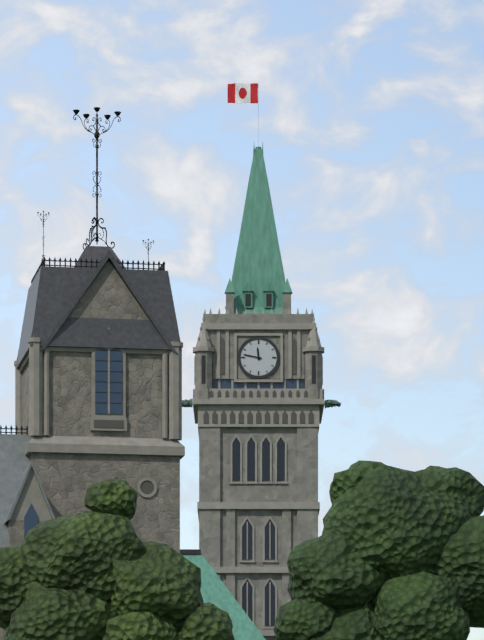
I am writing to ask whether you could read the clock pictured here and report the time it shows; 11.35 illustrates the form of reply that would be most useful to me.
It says 11.47
